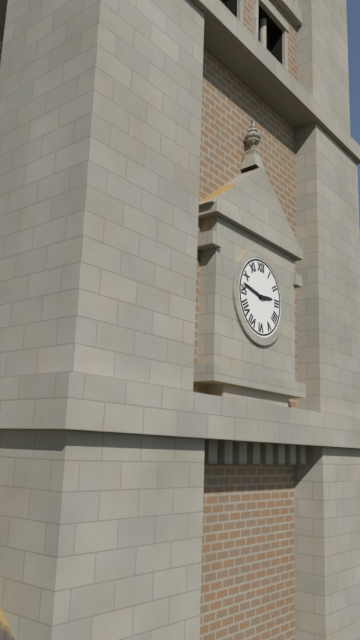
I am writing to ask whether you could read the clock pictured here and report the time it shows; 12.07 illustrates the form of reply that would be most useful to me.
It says 2.47
